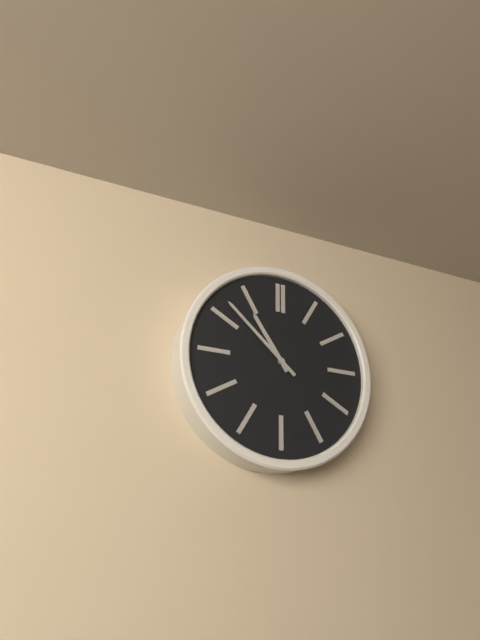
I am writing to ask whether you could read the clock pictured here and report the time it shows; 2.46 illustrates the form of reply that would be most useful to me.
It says 10.52
